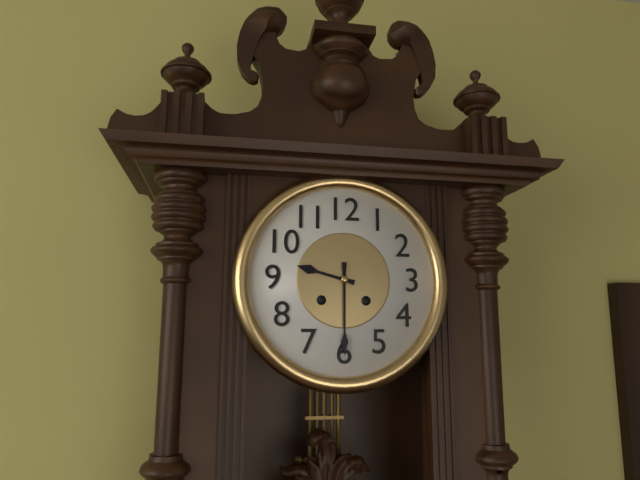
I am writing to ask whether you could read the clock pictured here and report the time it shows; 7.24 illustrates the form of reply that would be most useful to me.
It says 9.30
